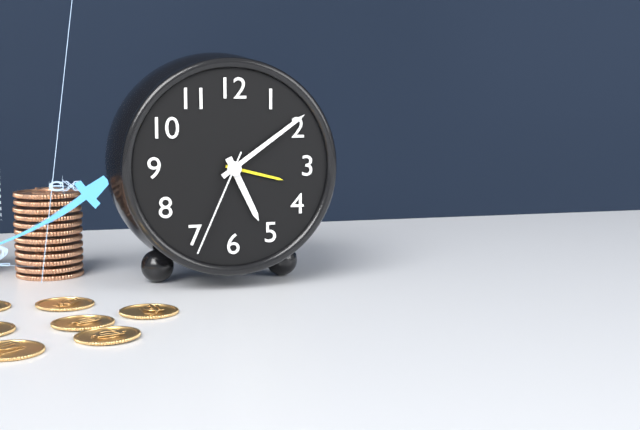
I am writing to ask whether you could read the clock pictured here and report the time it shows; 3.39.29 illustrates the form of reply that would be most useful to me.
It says 5.09.34
